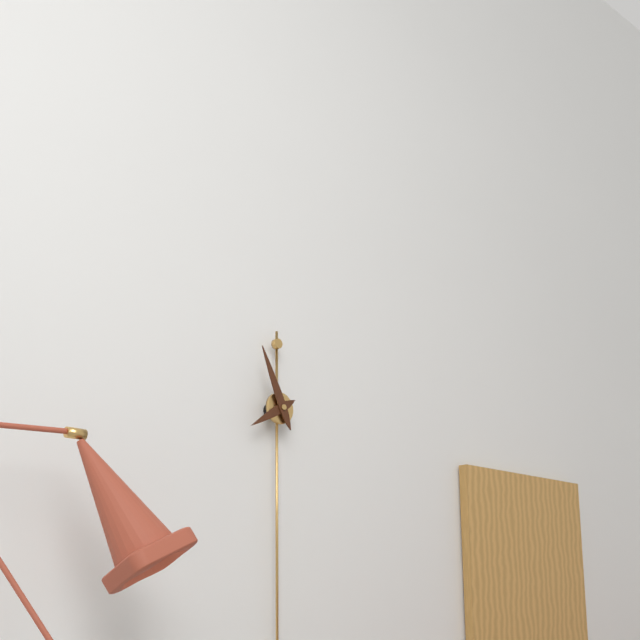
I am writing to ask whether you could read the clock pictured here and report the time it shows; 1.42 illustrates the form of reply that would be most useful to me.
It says 7.56
